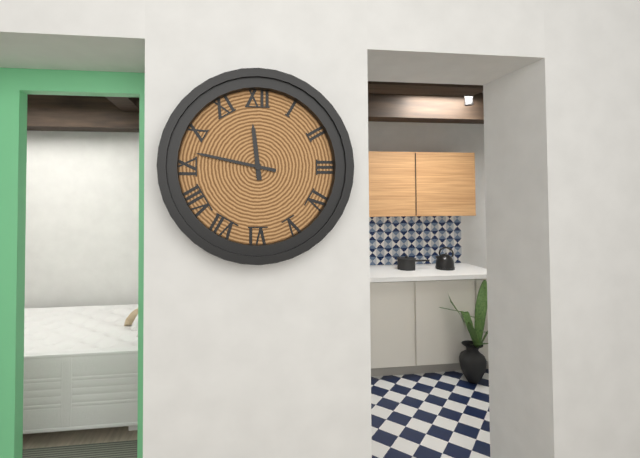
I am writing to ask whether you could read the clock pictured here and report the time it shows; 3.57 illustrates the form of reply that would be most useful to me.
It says 11.47
